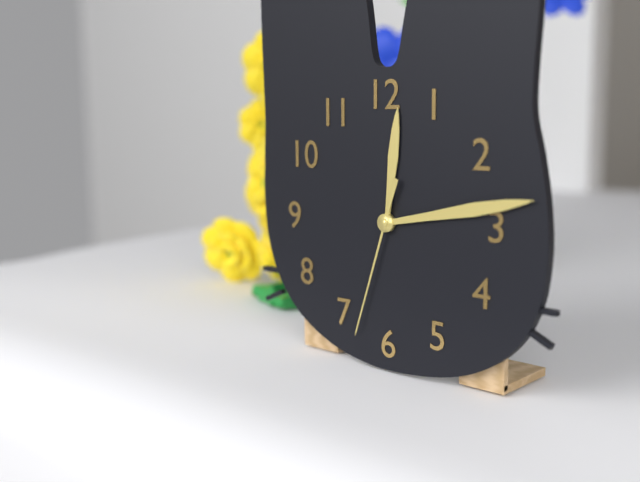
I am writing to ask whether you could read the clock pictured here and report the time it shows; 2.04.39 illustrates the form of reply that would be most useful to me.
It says 12.13.33
